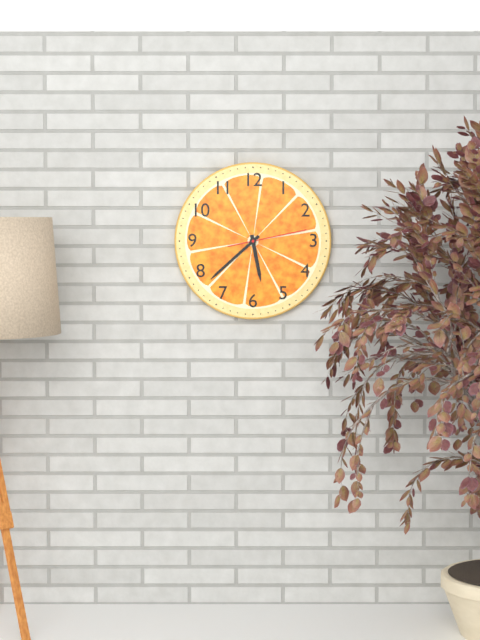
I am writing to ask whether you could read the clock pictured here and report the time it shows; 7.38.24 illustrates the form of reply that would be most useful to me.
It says 5.38.13
